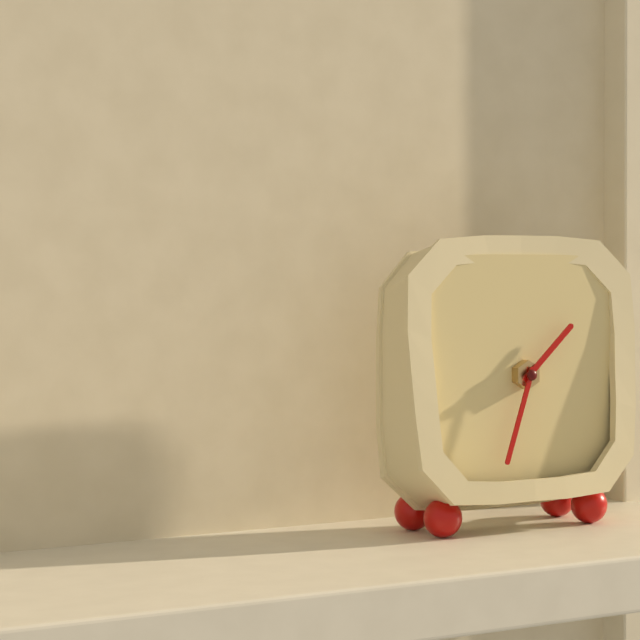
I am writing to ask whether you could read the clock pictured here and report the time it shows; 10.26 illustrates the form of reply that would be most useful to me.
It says 1.33
